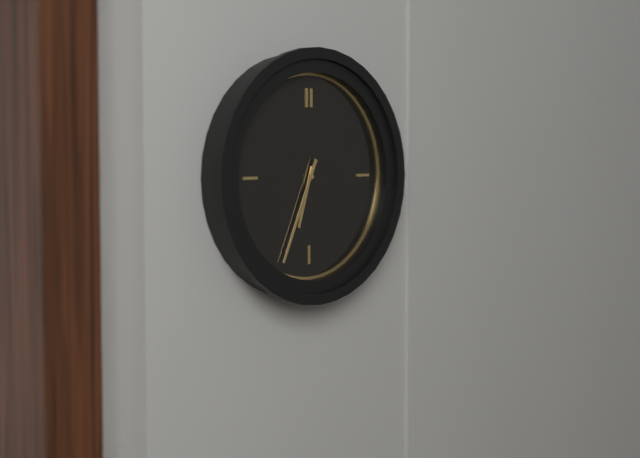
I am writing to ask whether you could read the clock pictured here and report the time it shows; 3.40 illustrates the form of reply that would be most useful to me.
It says 6.34
